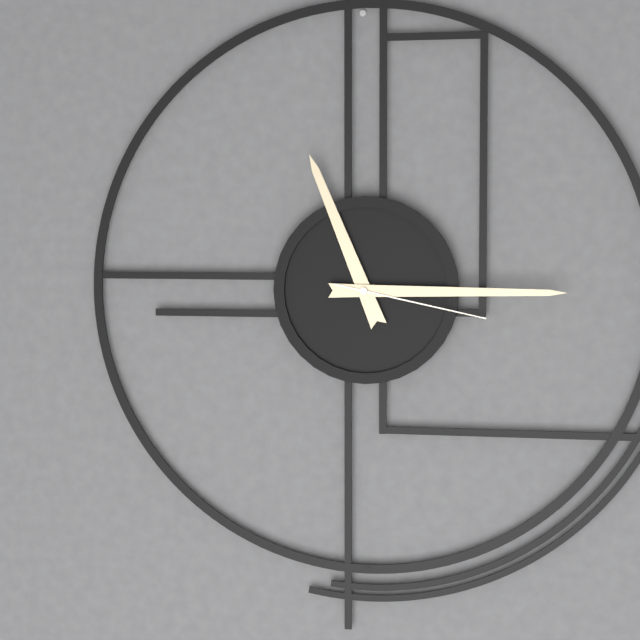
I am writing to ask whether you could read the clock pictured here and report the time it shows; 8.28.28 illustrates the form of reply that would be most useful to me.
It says 11.15.17
